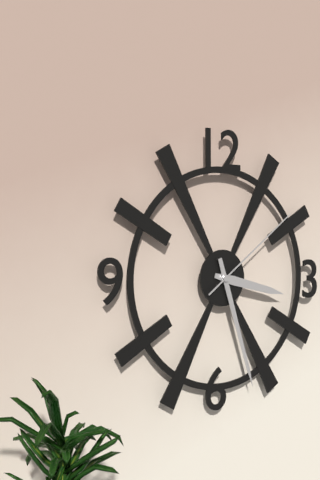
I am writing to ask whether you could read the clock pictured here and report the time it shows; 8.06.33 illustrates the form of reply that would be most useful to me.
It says 3.27.09
